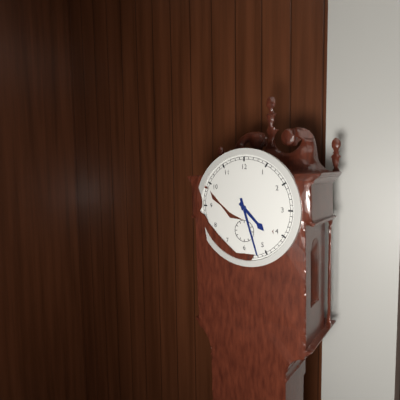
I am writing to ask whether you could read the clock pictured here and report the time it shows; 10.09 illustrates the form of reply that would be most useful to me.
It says 4.27
